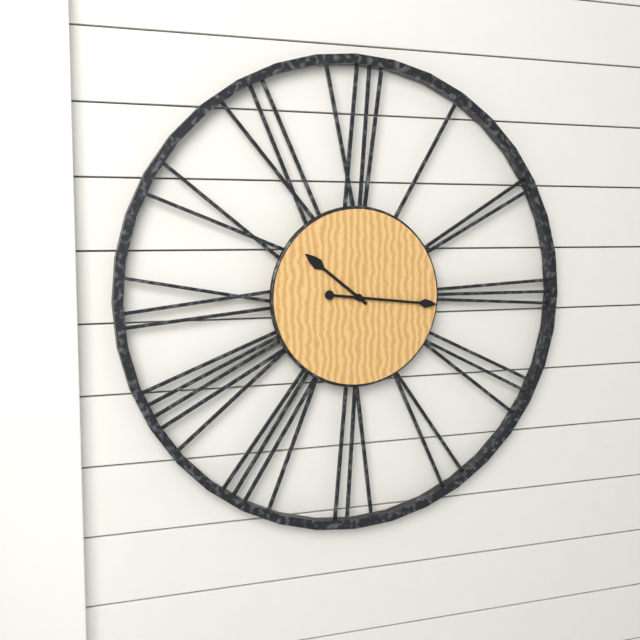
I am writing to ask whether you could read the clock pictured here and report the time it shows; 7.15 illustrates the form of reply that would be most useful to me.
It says 10.16
